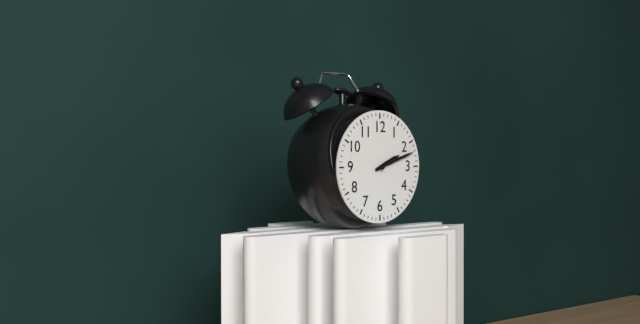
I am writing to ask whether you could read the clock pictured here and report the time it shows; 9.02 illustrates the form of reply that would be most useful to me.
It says 2.12
